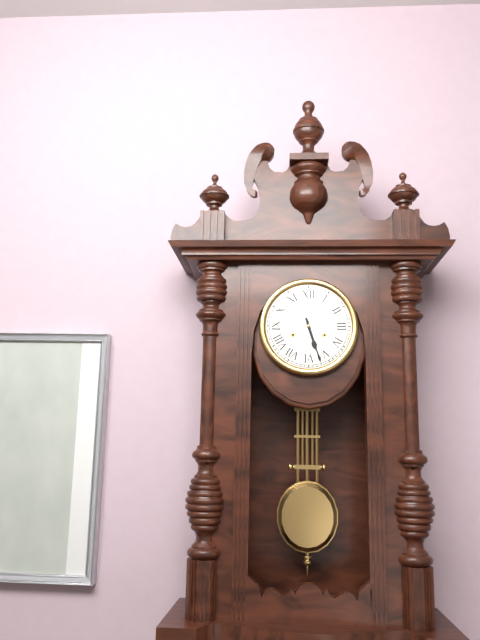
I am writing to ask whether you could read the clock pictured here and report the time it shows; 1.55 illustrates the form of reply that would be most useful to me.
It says 5.27
